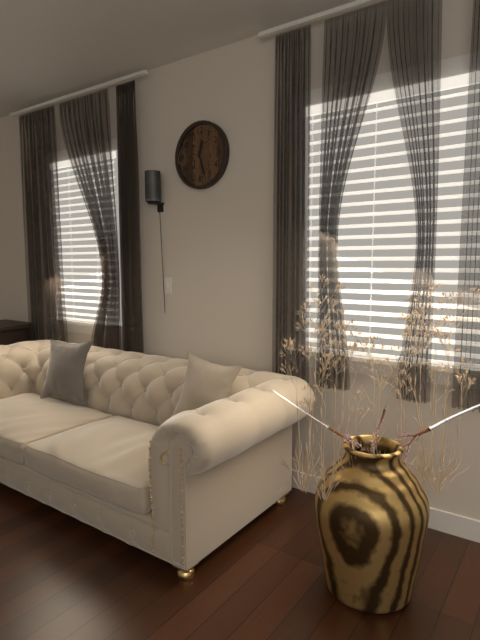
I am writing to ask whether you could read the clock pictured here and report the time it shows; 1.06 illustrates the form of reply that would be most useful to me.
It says 12.27
